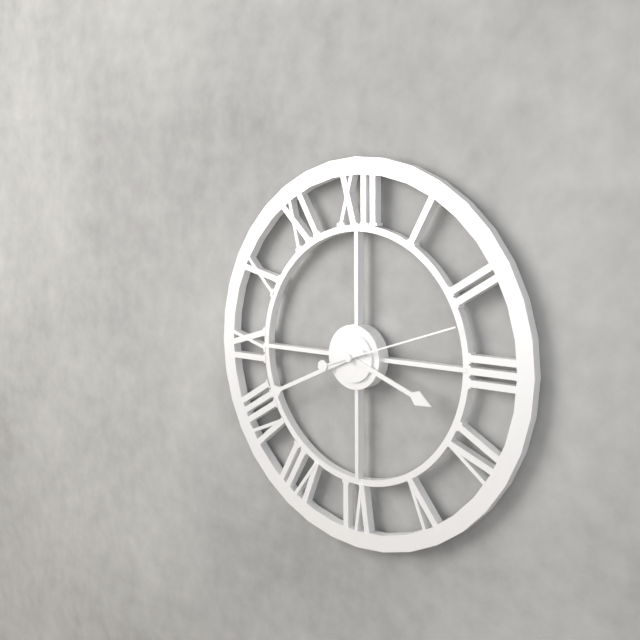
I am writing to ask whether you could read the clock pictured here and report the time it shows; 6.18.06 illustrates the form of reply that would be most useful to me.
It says 3.41.12
